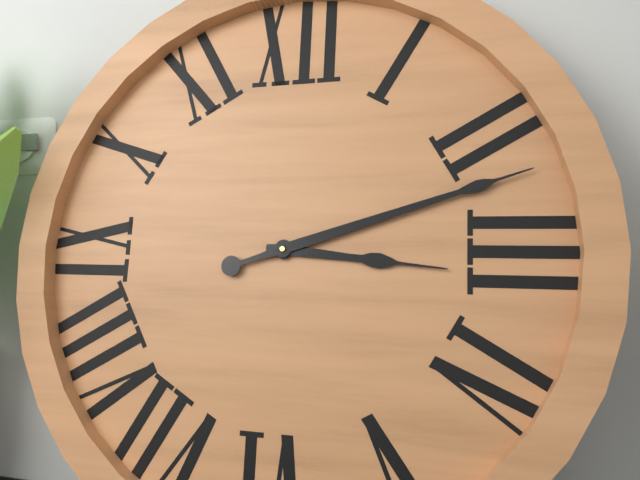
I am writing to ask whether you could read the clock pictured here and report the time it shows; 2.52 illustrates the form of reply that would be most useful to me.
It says 3.12
